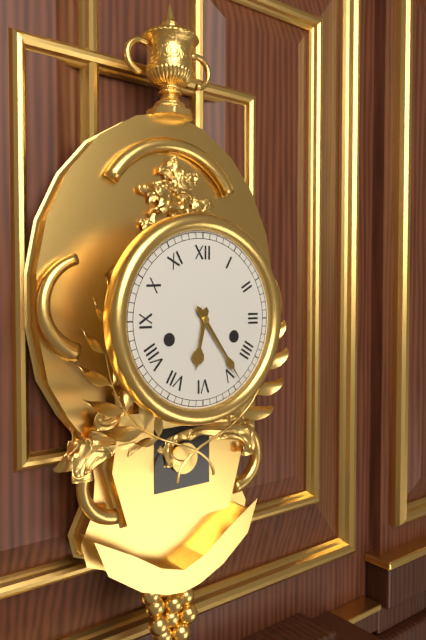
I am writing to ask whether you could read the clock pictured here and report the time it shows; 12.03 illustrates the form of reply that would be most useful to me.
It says 6.24
